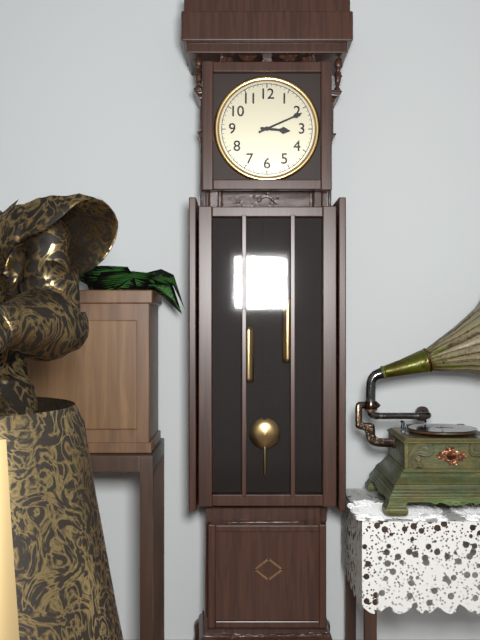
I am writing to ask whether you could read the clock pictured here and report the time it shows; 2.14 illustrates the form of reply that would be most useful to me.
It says 3.11
